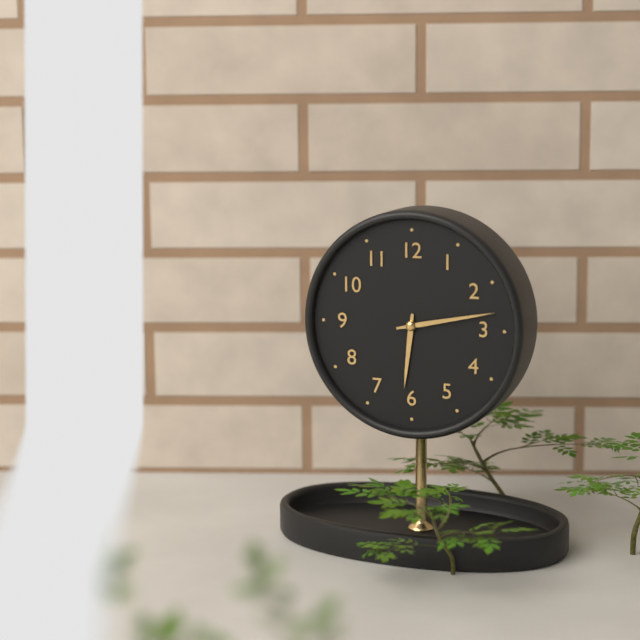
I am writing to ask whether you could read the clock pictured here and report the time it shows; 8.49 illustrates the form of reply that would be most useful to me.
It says 6.13
